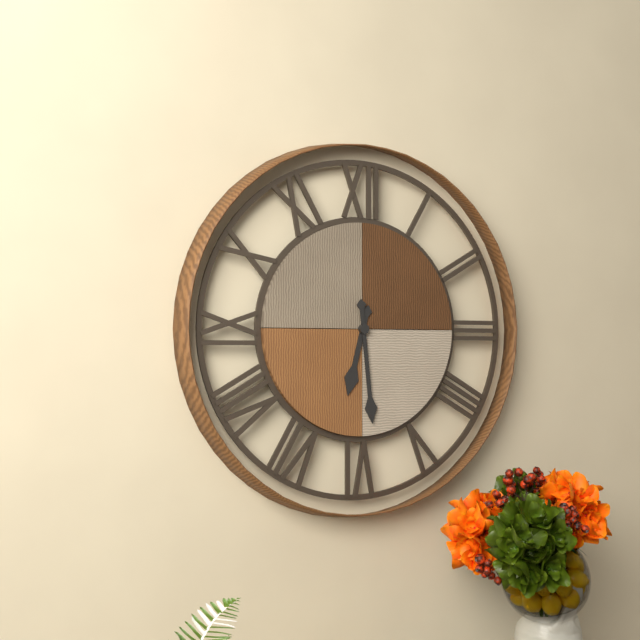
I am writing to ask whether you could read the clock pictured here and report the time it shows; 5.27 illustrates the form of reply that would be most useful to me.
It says 6.29
